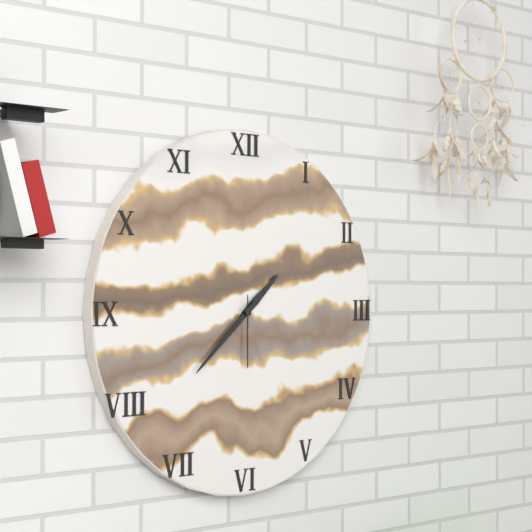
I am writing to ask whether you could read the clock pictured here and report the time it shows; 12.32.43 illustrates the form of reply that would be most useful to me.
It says 1.38.30
